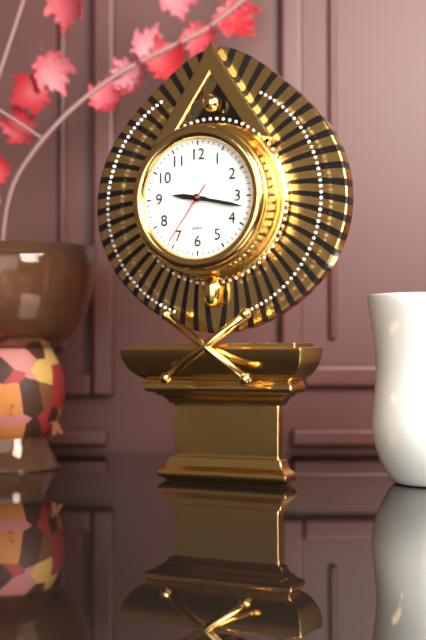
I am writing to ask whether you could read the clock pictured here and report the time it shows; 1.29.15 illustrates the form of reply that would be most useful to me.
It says 9.17.36
